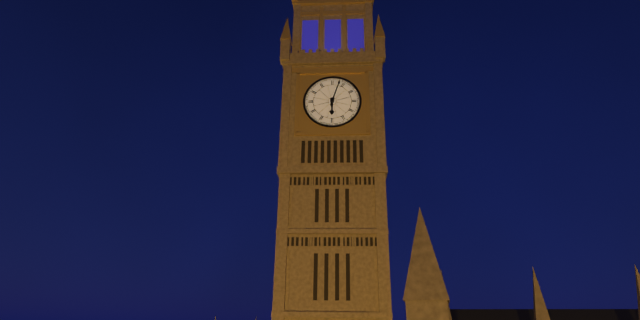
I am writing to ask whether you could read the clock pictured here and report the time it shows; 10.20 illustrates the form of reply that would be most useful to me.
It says 6.03
